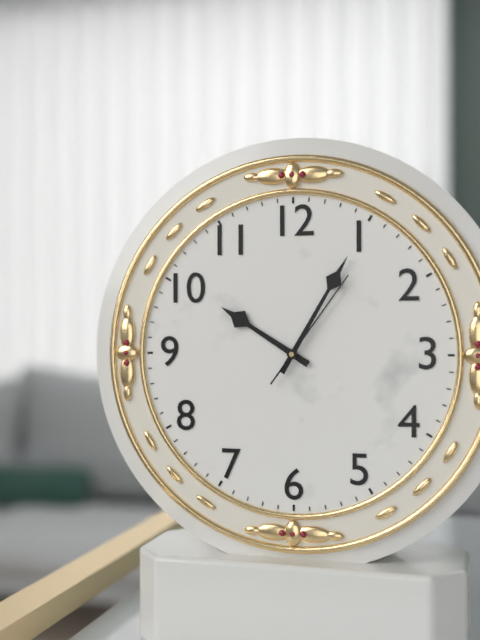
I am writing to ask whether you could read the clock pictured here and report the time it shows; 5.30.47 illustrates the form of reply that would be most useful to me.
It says 10.05.06
